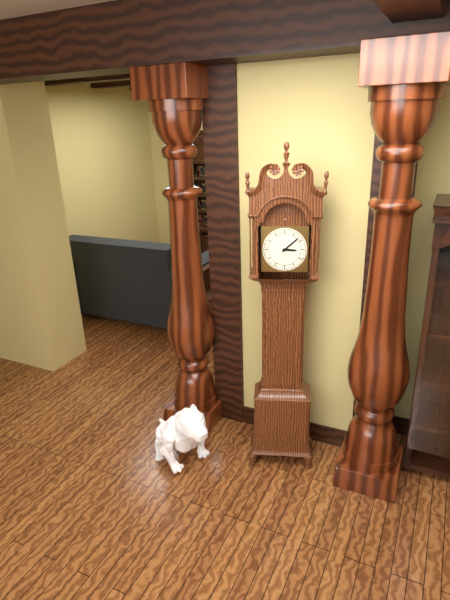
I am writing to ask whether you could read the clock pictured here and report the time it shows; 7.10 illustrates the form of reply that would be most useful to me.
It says 3.08
